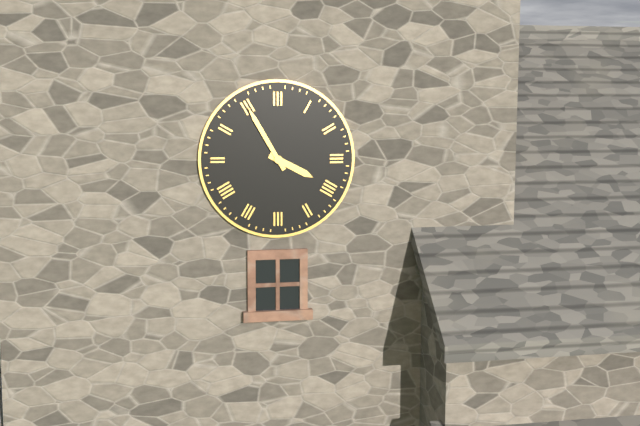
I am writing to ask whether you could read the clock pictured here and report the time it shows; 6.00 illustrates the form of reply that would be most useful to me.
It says 3.55
